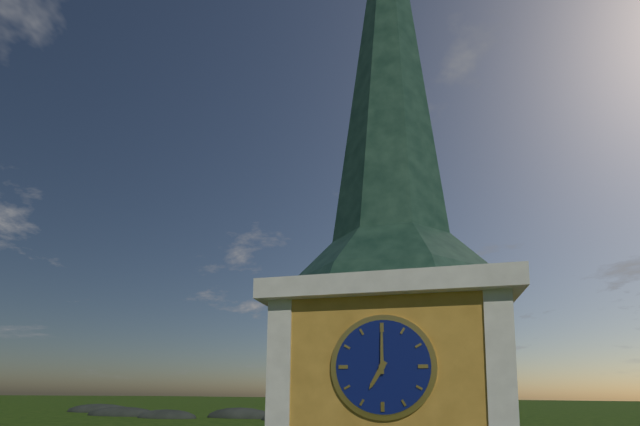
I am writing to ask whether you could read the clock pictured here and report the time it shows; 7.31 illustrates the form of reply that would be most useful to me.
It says 7.00
